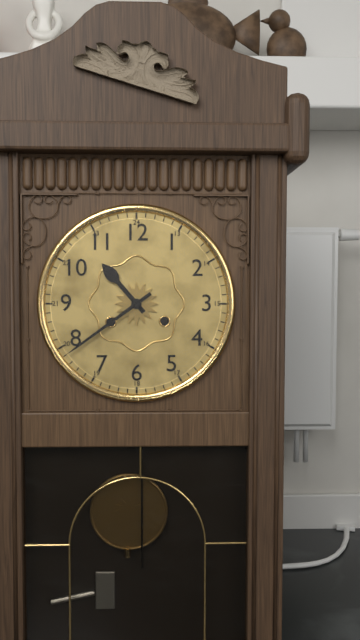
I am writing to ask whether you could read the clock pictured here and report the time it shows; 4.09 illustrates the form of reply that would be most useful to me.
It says 10.39
